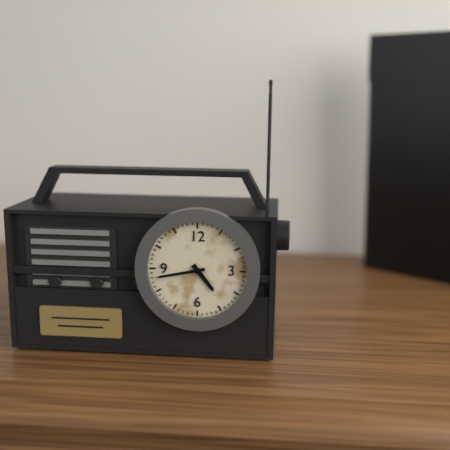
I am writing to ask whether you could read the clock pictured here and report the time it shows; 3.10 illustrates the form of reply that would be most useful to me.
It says 4.43
